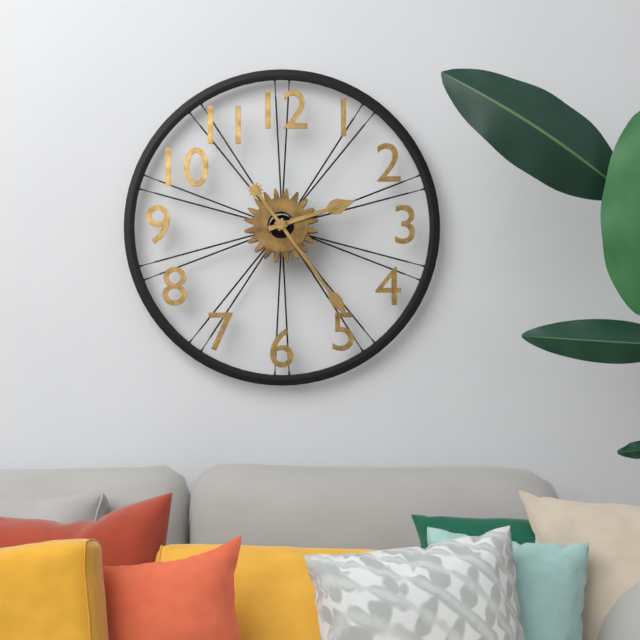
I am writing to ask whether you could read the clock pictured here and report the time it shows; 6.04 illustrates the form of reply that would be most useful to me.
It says 2.24
